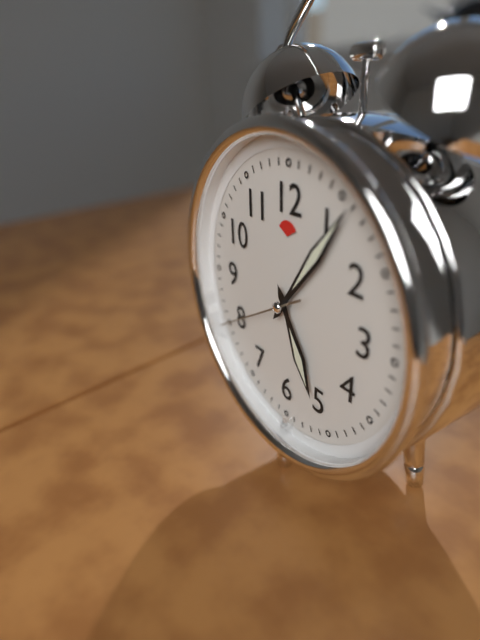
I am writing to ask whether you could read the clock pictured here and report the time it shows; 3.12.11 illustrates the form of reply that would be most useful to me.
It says 5.06.40
